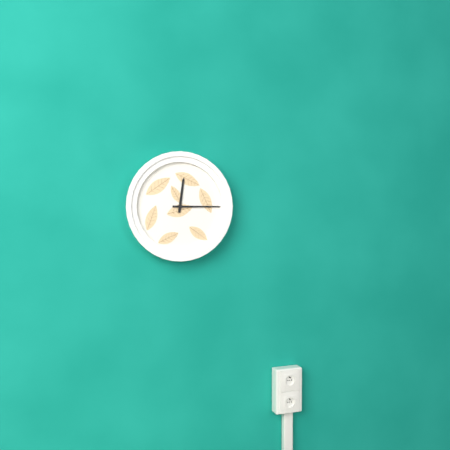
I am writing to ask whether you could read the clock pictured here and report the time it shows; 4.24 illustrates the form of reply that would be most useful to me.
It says 12.15
